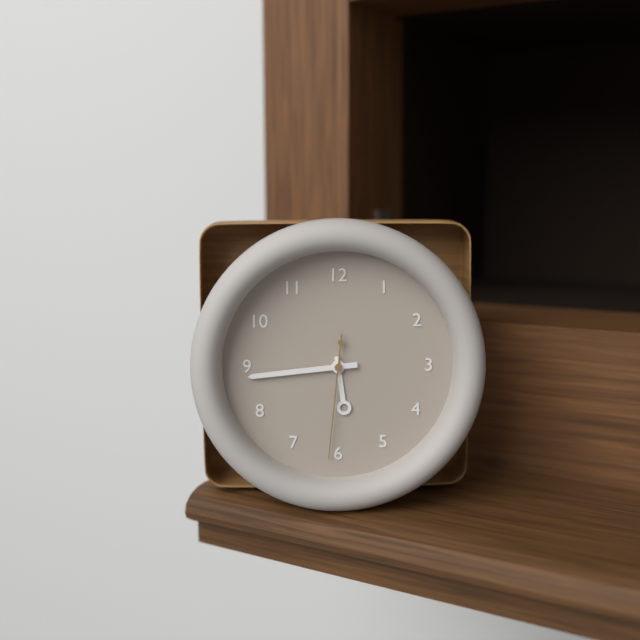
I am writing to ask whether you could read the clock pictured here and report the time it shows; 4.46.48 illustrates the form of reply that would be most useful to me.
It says 5.44.31
